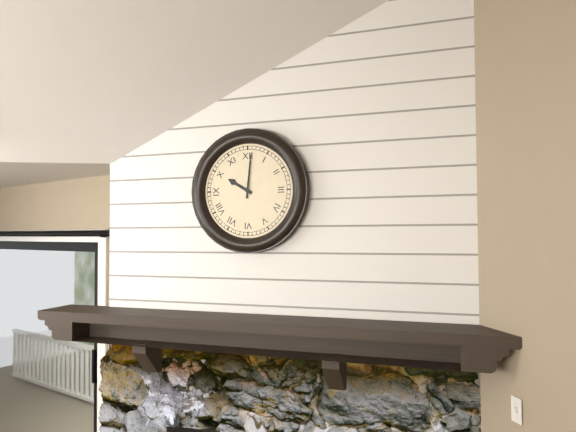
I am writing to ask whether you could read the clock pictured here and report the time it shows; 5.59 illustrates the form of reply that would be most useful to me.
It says 10.01
